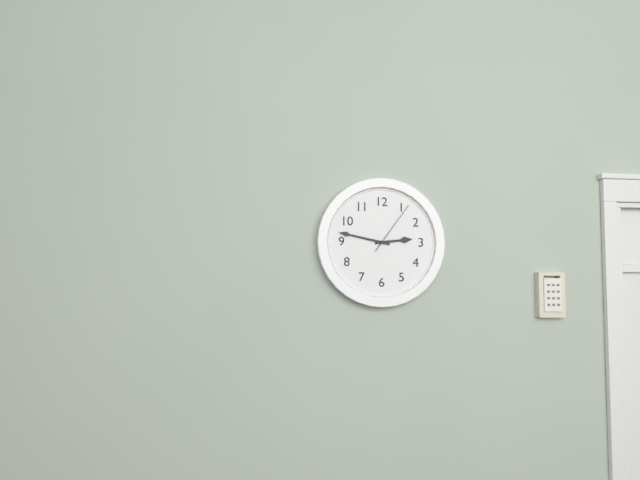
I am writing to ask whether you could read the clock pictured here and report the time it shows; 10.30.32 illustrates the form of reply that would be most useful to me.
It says 2.47.06
